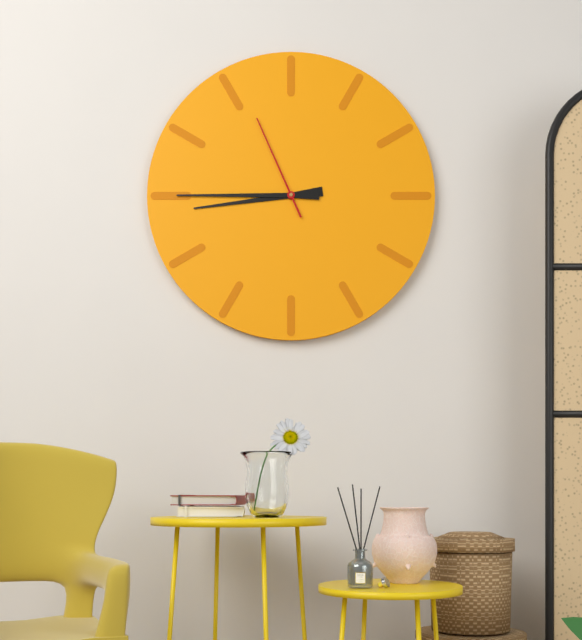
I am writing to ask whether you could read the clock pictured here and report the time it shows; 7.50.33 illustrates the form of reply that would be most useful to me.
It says 8.45.56
